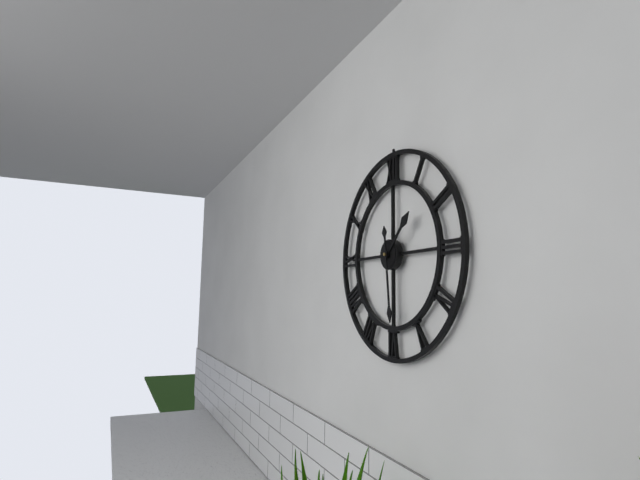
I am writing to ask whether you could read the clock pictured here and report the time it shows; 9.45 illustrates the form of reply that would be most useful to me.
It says 1.29
